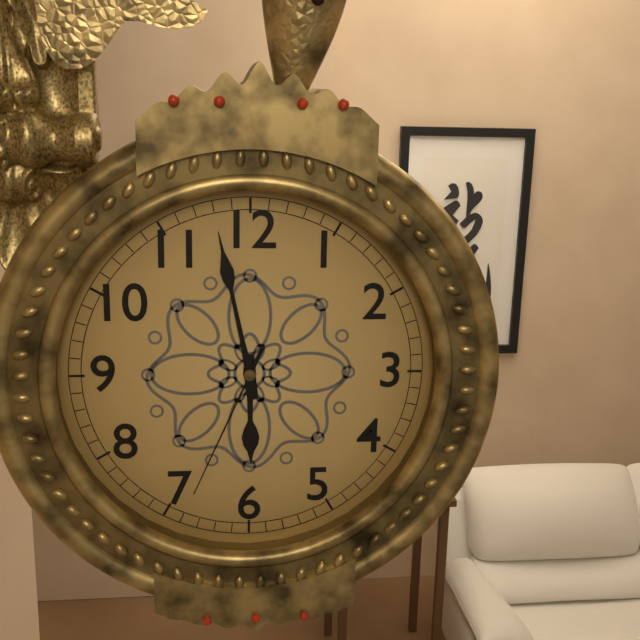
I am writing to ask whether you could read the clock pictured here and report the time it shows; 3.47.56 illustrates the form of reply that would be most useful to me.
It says 5.58.34
